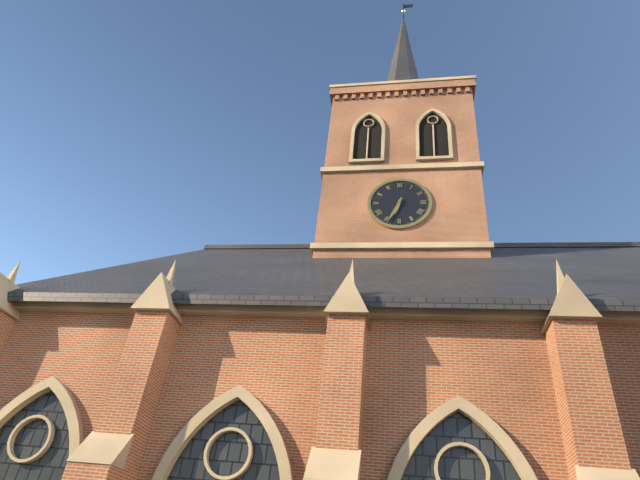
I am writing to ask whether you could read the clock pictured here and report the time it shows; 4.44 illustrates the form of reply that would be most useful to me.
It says 6.34
